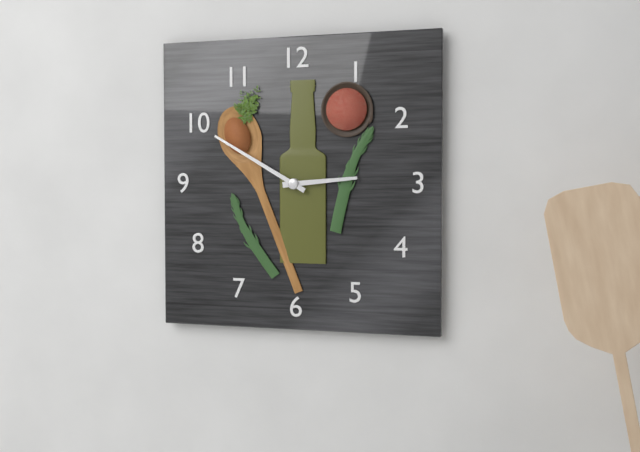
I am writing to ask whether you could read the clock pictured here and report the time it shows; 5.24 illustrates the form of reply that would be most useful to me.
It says 2.50
